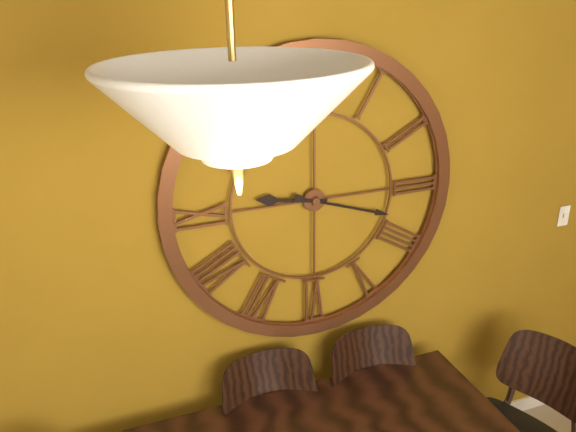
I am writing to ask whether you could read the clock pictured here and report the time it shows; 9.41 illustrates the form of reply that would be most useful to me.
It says 9.18
